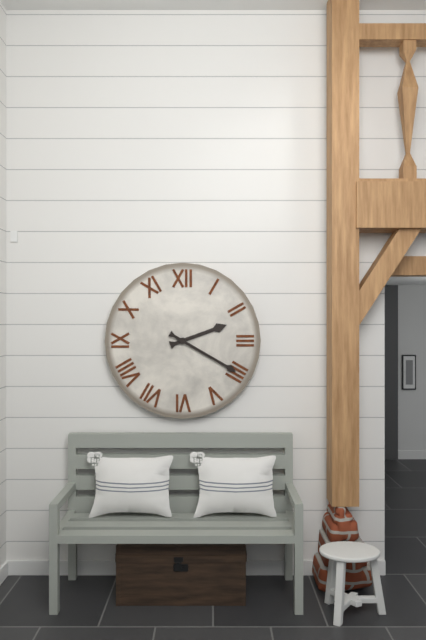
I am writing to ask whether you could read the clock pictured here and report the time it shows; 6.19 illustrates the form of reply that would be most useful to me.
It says 2.20
